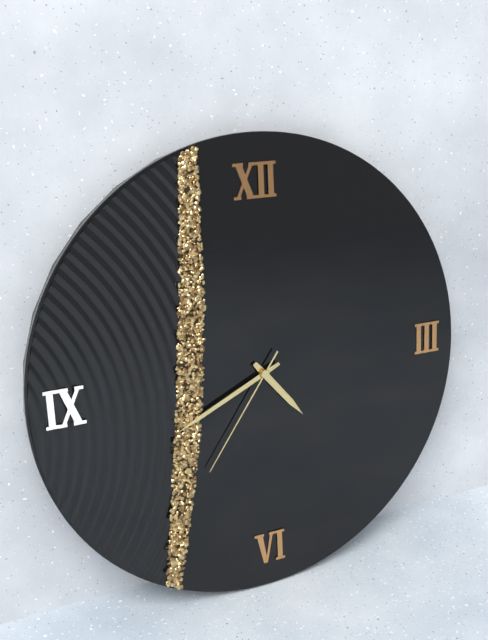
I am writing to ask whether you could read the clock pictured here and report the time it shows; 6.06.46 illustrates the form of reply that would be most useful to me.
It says 4.41.36
